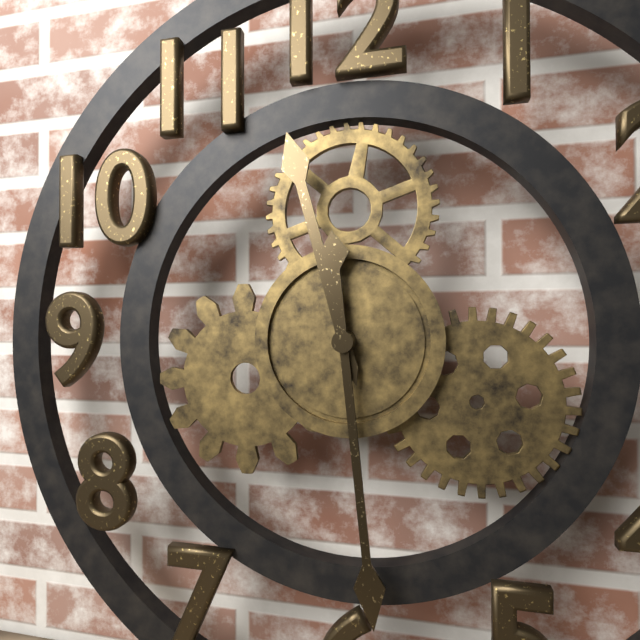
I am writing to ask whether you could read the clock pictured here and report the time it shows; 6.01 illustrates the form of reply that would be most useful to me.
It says 11.29
